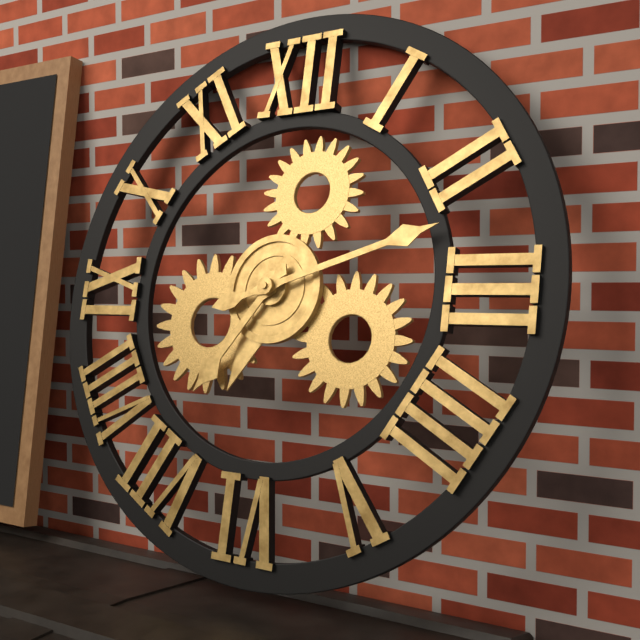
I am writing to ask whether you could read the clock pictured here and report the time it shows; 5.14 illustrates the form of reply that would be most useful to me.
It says 7.12
